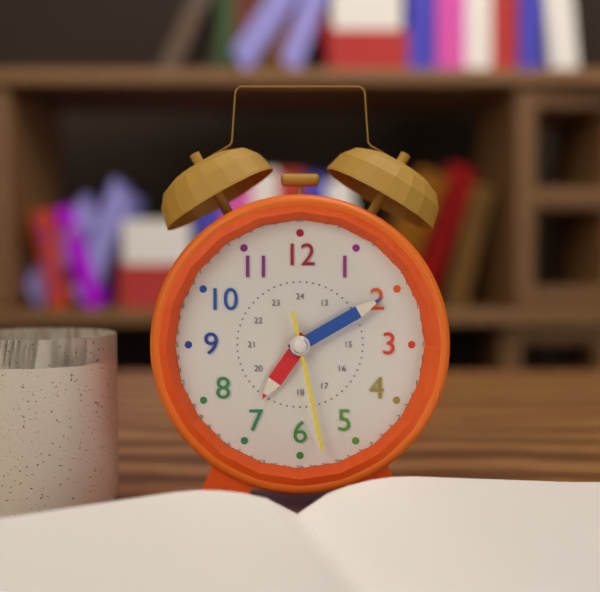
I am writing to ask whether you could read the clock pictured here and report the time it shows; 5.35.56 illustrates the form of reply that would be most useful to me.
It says 7.10.28
